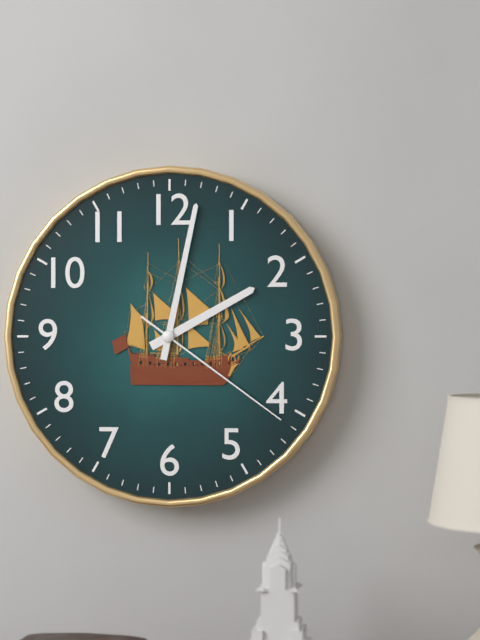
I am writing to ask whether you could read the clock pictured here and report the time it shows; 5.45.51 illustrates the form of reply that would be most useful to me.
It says 2.02.21
